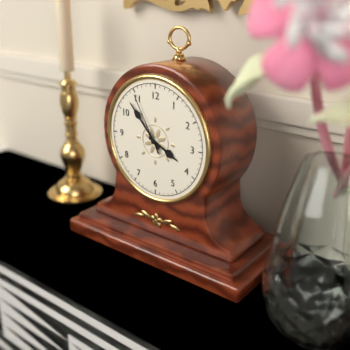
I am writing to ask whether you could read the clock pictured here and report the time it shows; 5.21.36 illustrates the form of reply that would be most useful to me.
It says 3.53.55
